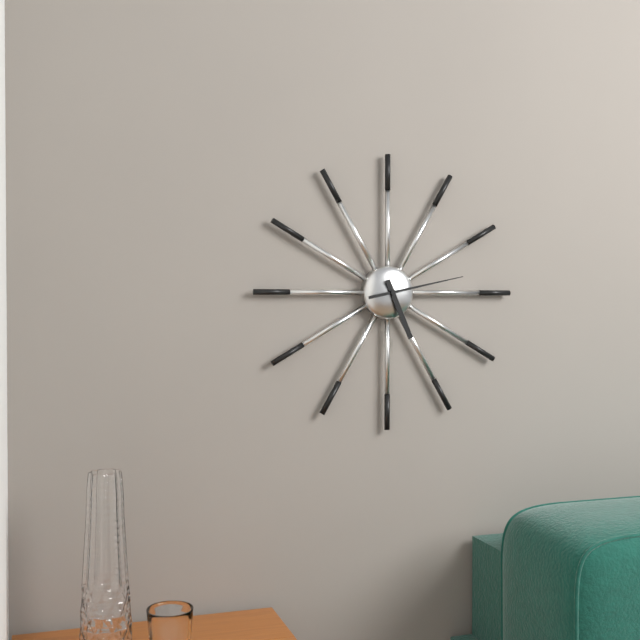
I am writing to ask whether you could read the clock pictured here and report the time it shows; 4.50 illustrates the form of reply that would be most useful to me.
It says 5.13
